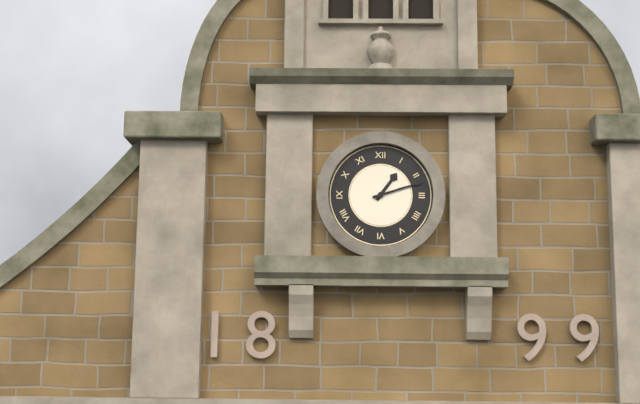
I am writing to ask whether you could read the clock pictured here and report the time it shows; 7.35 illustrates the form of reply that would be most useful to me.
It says 1.12
